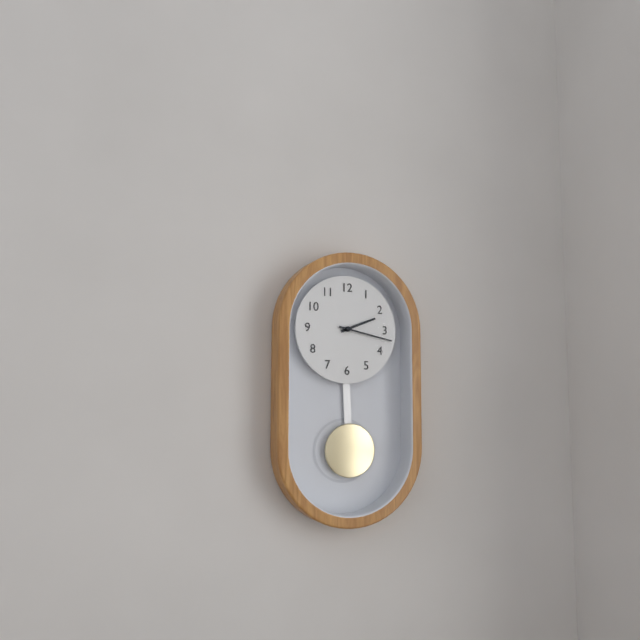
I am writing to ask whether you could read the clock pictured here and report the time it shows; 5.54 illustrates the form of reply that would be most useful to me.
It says 2.17
